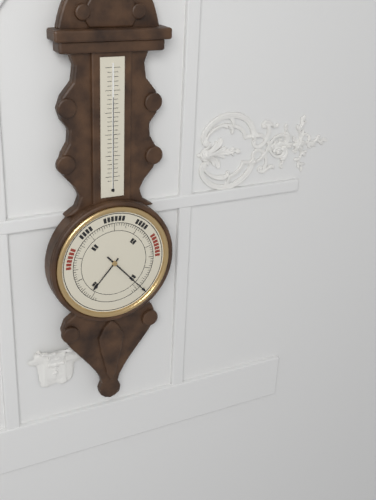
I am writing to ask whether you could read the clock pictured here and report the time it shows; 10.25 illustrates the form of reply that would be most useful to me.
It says 7.23
